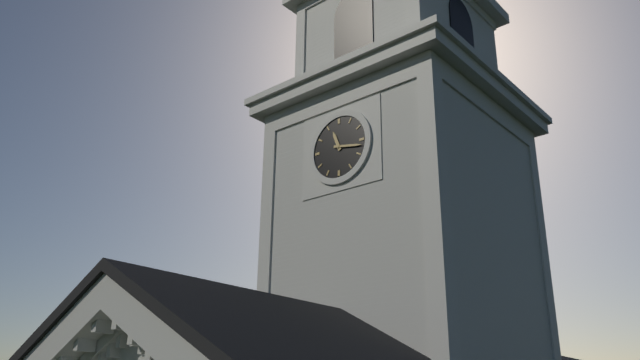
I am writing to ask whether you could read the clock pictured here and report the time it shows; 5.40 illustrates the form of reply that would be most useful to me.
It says 11.17
